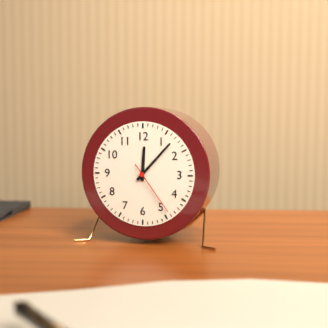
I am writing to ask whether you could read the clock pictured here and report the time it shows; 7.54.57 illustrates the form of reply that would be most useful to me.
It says 12.07.24
